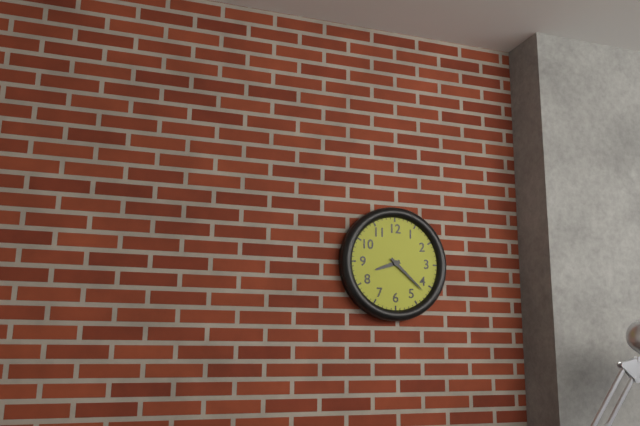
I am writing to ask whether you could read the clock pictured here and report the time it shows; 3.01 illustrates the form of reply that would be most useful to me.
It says 8.22
